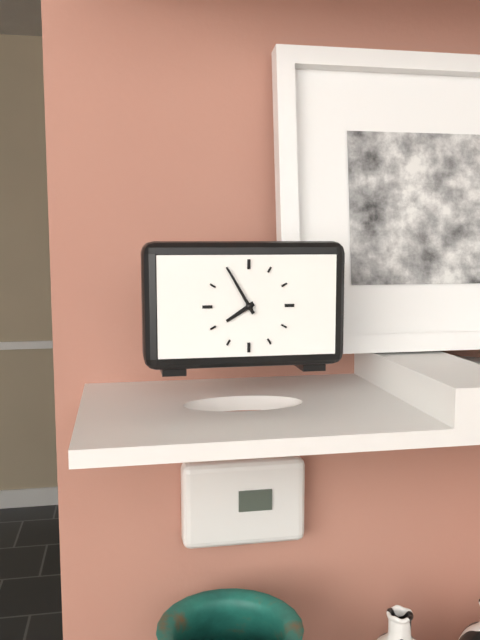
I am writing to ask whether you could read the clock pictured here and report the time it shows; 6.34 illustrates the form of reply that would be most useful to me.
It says 7.55
